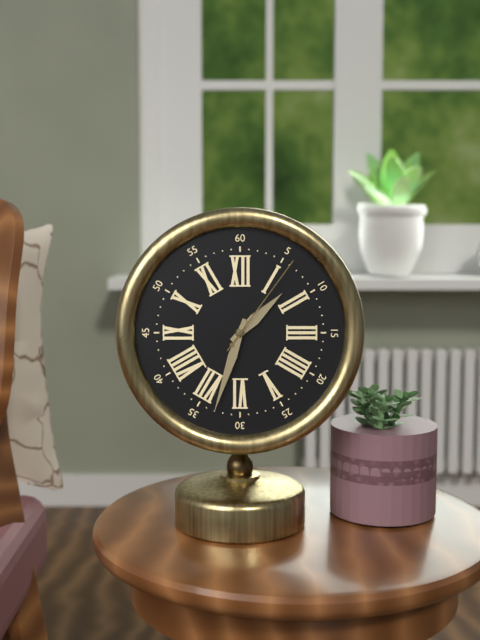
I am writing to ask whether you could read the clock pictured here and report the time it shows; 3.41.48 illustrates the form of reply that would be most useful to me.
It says 1.33.06
